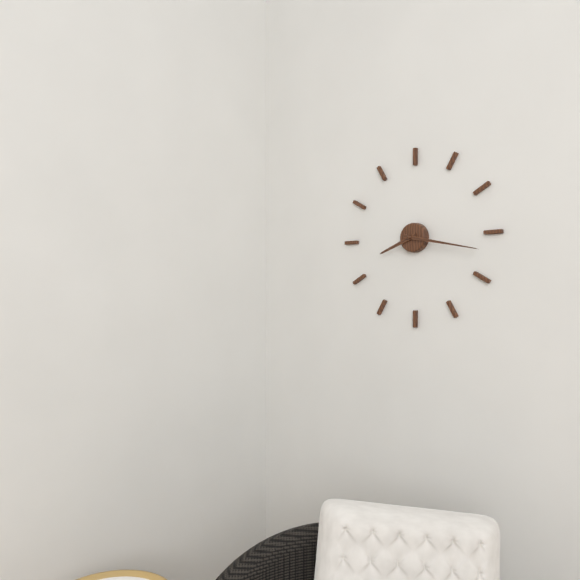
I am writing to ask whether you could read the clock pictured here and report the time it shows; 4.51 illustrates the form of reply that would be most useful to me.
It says 8.17
